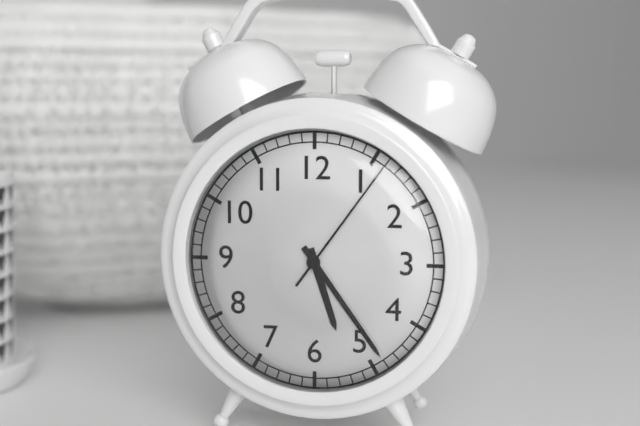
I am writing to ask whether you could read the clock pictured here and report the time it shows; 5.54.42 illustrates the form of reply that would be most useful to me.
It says 5.24.06
